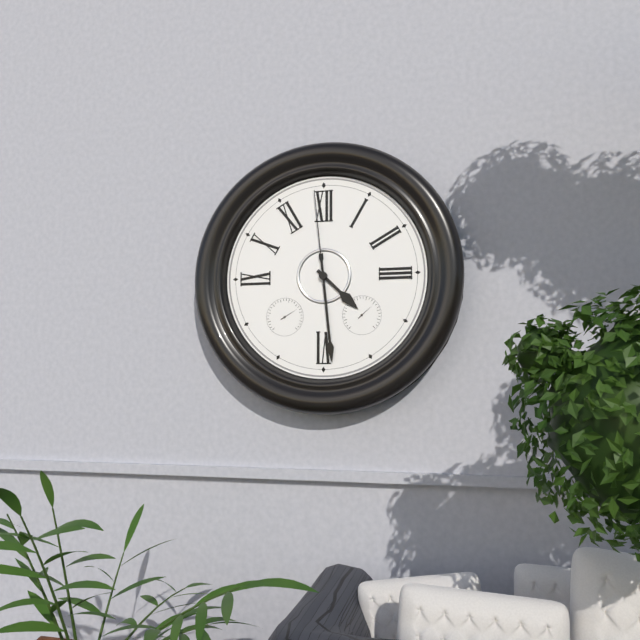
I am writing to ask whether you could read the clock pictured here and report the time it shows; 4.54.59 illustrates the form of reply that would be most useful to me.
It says 4.29.59
